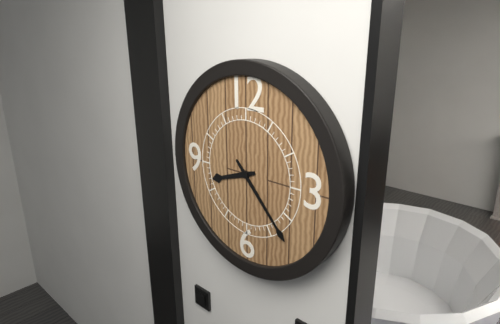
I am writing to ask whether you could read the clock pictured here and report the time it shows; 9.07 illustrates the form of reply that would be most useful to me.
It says 8.23
